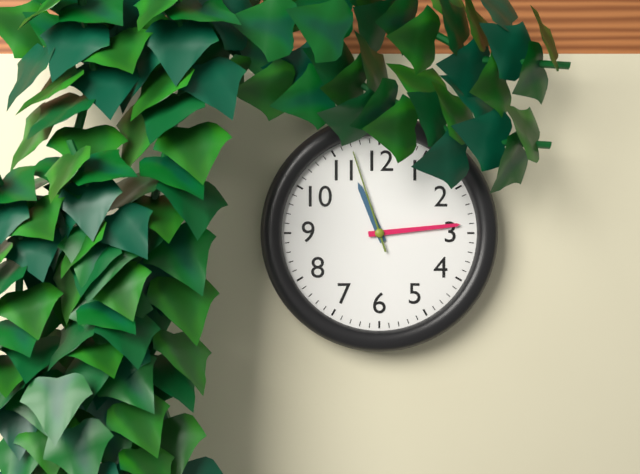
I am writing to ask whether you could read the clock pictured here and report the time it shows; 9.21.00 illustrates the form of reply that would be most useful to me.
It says 11.14.57
